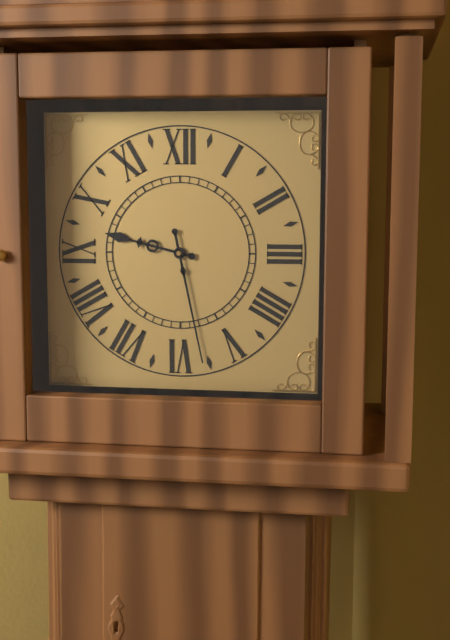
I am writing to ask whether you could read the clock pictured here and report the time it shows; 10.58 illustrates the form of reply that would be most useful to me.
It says 9.28
